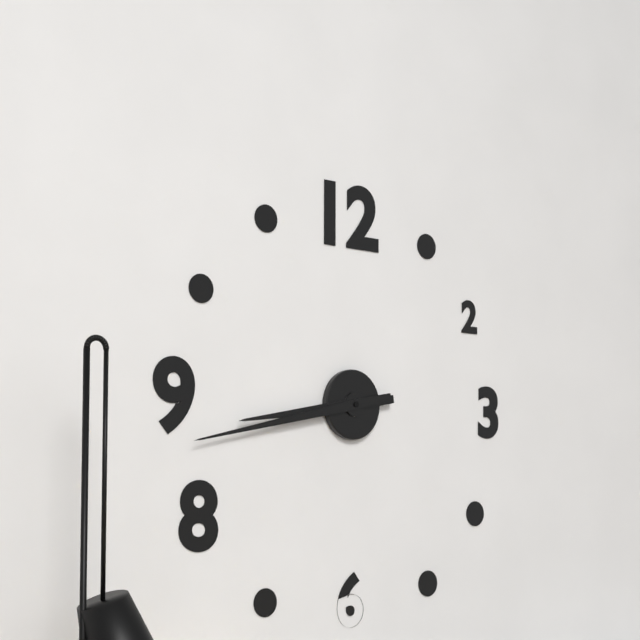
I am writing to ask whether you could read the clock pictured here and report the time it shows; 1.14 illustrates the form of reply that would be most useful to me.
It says 8.43
